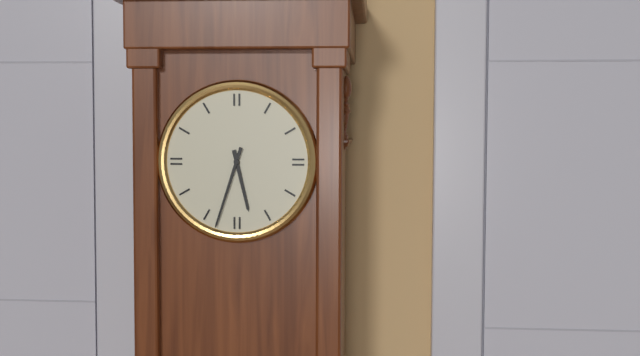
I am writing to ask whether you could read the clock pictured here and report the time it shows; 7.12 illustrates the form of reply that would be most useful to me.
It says 5.33
